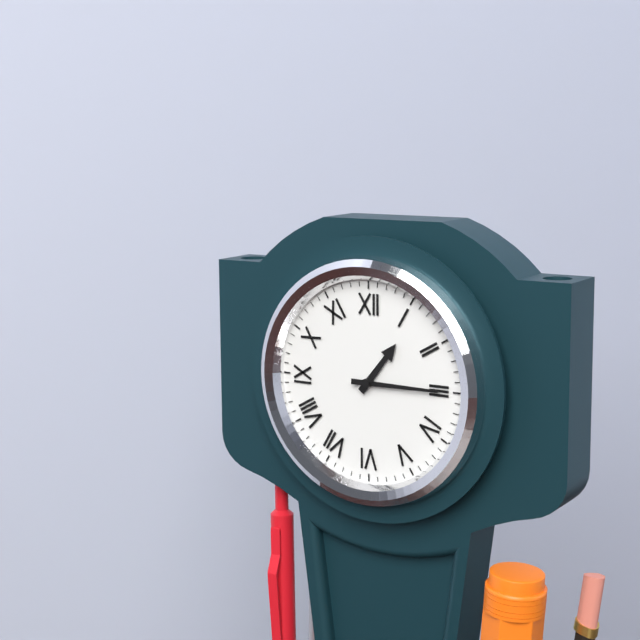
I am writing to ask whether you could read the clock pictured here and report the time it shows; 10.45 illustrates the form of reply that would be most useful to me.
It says 1.15
